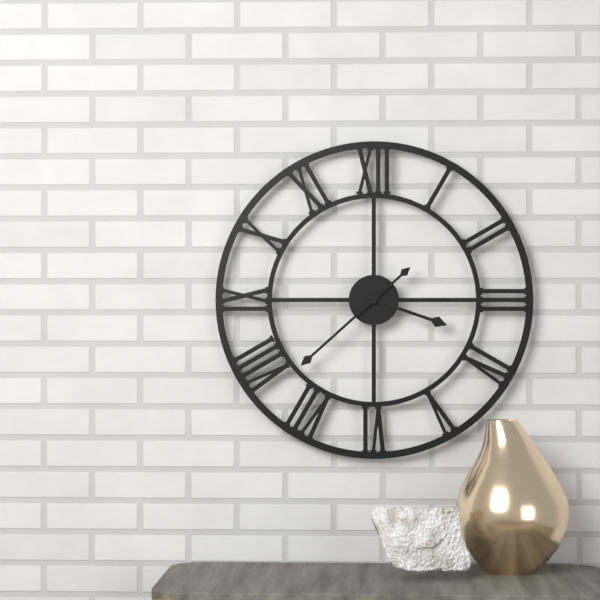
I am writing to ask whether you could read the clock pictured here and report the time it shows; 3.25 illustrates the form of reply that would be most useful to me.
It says 3.38
